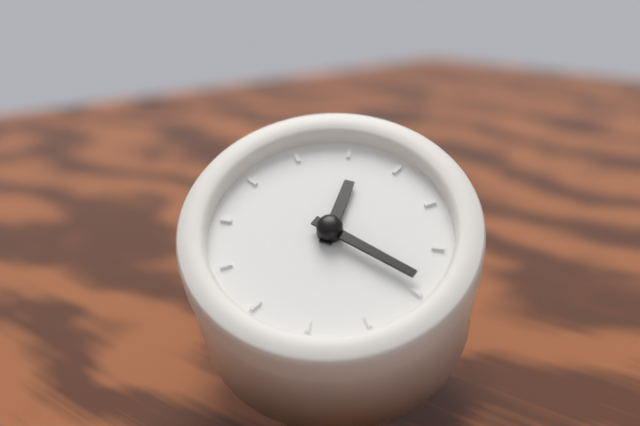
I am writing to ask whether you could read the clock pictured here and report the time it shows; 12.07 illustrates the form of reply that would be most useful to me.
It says 11.14
